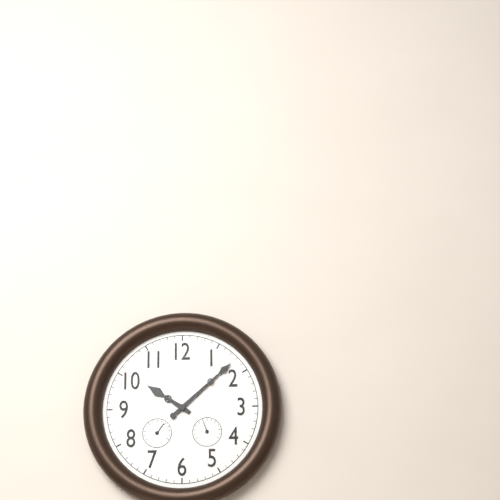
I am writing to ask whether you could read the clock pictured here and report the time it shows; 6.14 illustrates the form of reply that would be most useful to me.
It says 10.08
